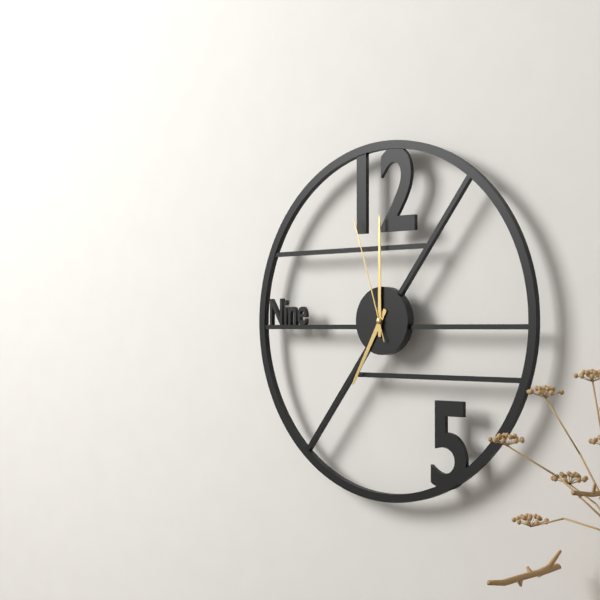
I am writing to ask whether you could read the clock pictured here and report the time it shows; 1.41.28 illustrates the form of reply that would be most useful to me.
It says 7.00.57
